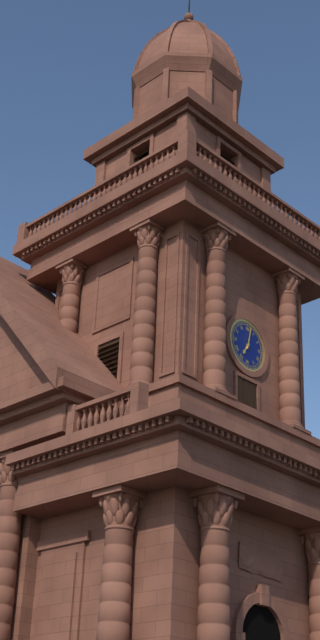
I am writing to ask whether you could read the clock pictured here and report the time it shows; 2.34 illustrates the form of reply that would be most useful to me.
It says 7.02
